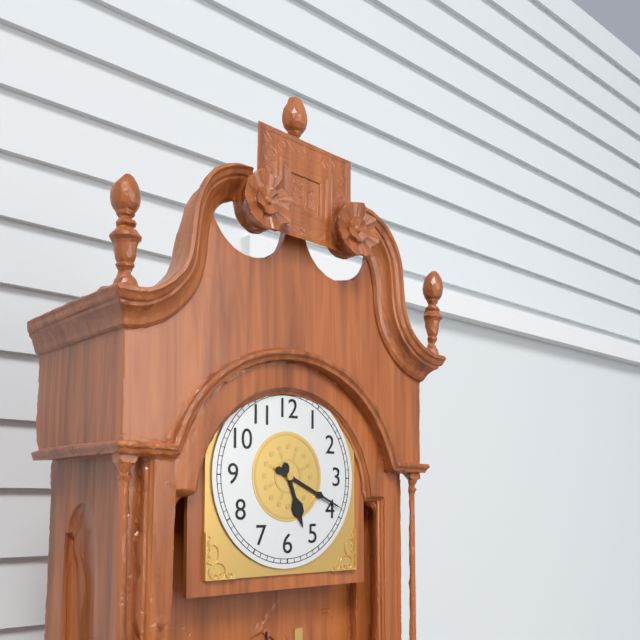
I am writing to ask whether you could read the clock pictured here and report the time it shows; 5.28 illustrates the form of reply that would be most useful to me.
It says 5.19
